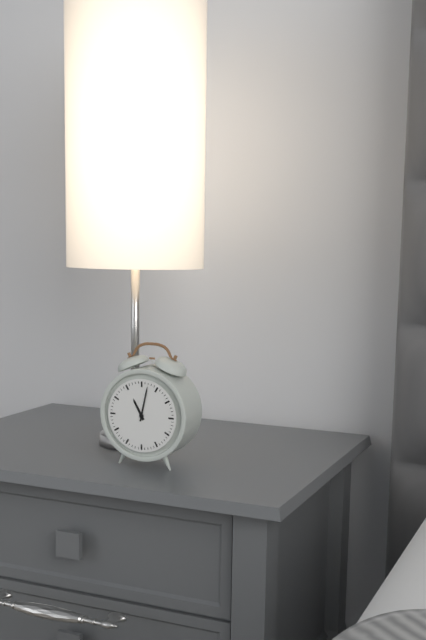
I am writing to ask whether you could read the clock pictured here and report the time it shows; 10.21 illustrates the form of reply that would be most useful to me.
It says 11.02
